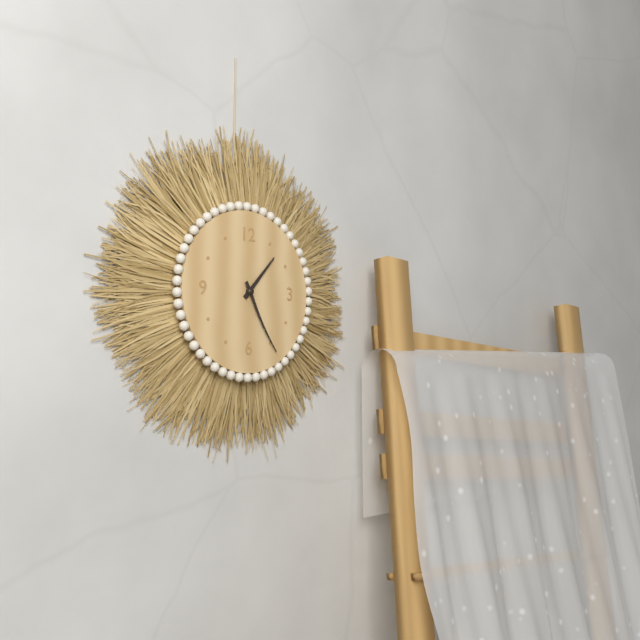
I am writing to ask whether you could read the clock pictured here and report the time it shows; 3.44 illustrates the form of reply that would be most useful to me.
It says 1.25
